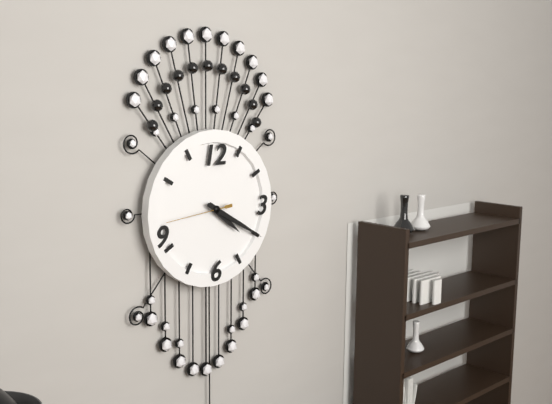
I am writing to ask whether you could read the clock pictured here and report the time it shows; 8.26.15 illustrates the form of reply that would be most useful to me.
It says 4.20.44
